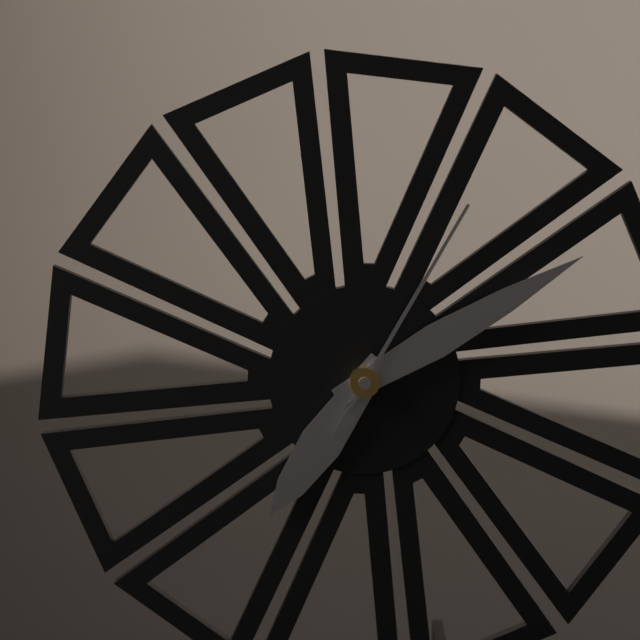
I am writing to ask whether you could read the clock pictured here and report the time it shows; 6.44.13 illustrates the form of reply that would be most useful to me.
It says 7.10.05
